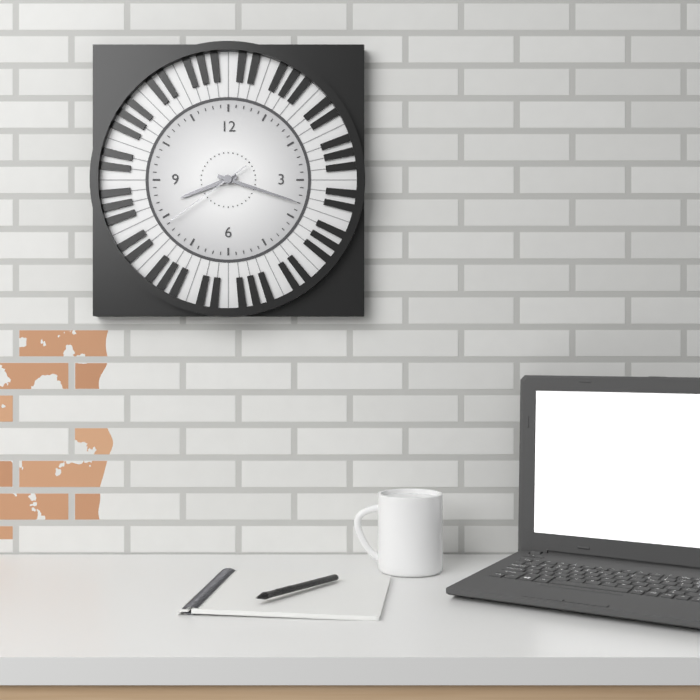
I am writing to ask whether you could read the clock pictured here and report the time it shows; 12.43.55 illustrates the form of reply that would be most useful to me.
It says 8.18.39
